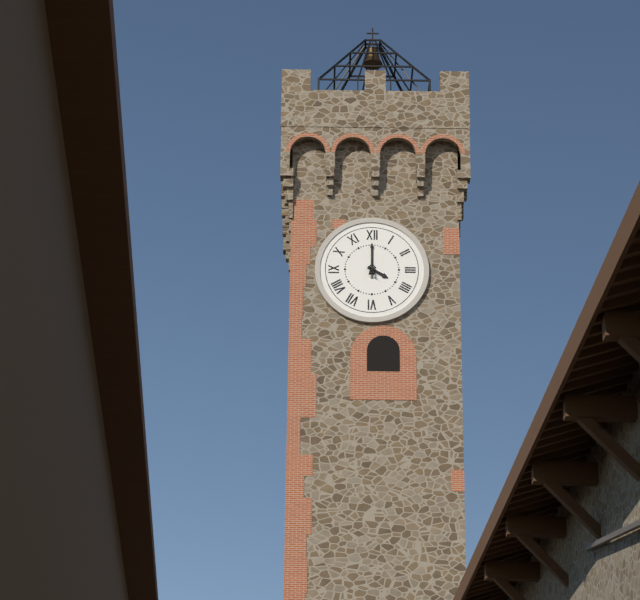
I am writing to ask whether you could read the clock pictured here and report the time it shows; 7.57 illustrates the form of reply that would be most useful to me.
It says 4.00
